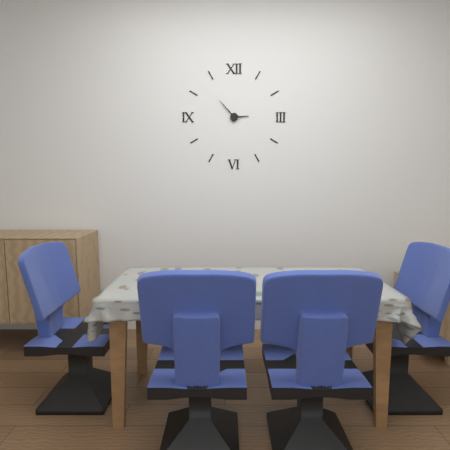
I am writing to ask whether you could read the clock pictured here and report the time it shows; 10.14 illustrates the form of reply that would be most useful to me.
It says 2.53
